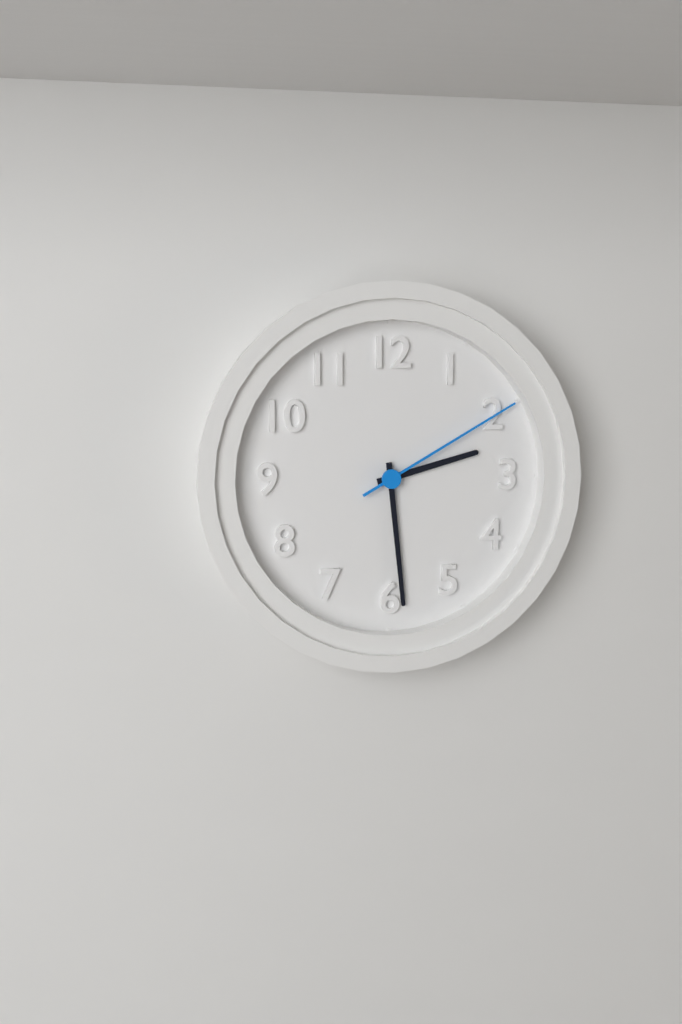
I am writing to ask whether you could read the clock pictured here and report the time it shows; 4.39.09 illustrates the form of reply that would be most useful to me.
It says 2.29.10
